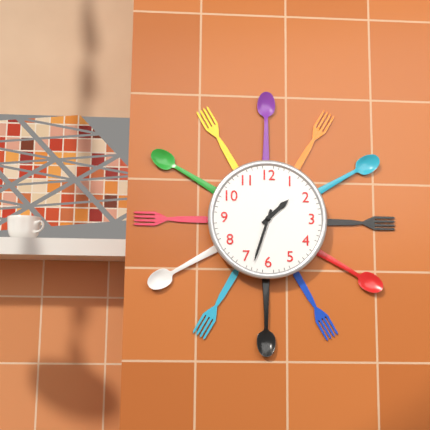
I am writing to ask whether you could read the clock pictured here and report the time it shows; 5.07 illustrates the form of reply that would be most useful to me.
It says 1.33
